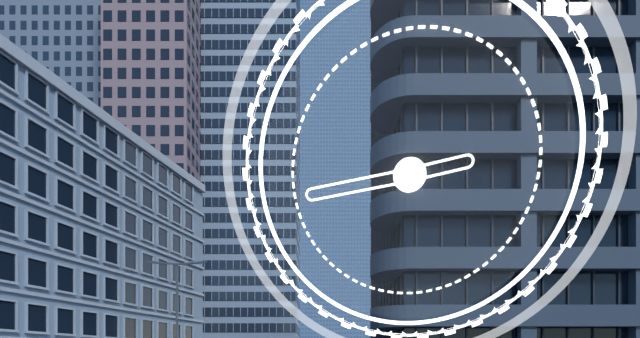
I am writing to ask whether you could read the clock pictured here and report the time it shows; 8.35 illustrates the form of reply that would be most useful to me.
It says 2.44
